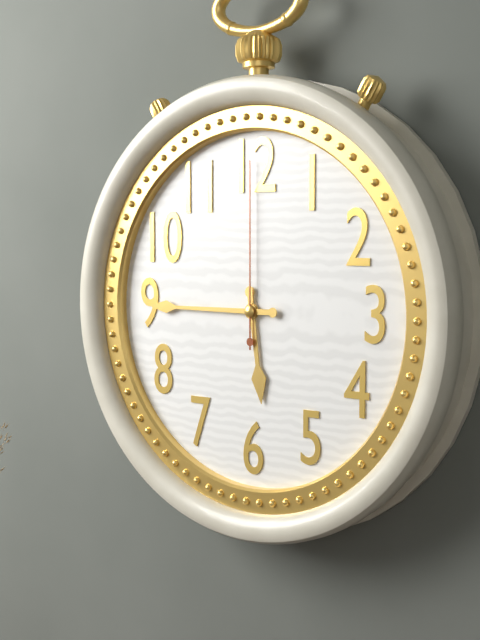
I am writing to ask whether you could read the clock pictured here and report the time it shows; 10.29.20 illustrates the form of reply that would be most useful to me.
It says 5.45.00
